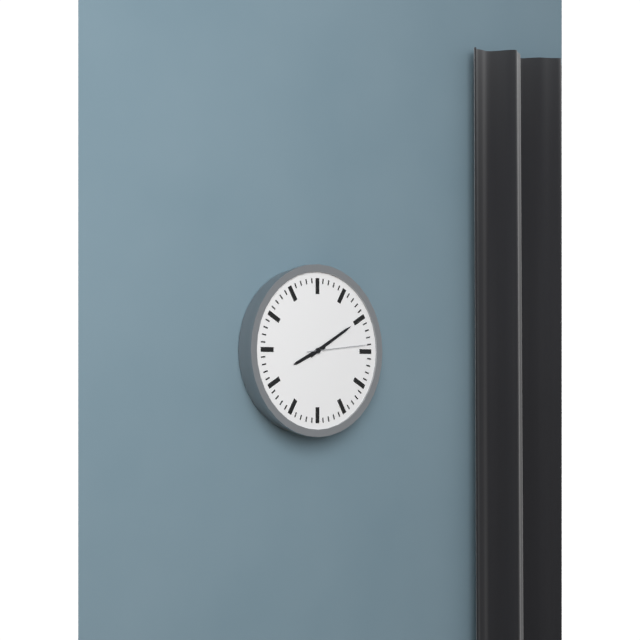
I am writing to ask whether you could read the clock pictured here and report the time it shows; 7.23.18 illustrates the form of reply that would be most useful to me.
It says 8.10.14
